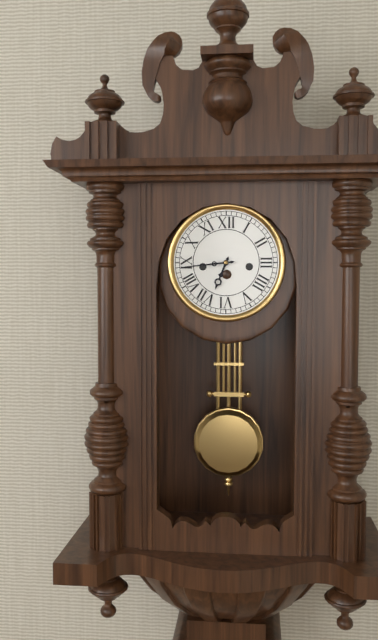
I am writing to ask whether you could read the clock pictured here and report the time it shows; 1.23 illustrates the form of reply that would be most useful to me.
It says 6.44
